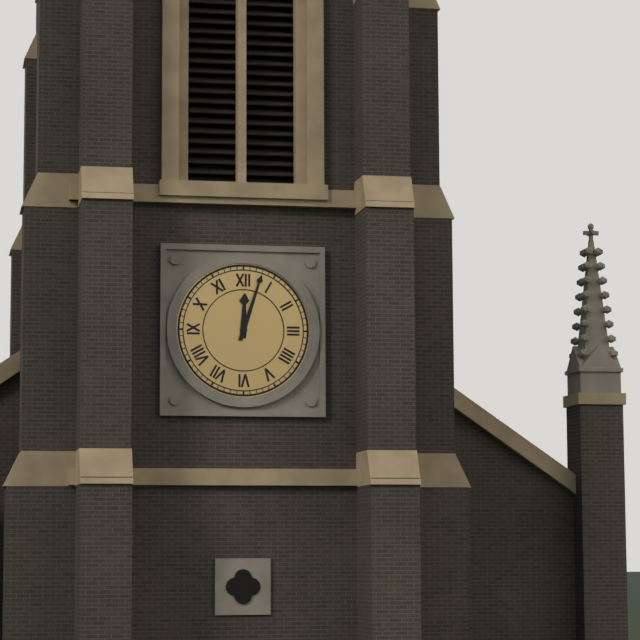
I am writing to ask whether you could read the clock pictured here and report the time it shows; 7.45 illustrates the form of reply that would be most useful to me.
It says 12.03
